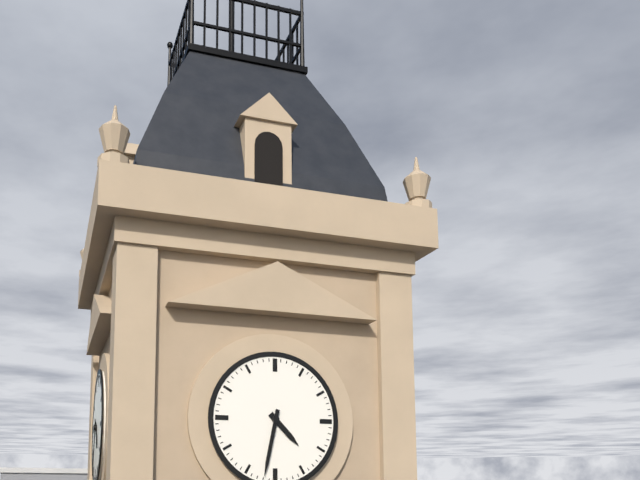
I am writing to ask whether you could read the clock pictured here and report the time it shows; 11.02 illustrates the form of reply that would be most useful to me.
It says 4.32
